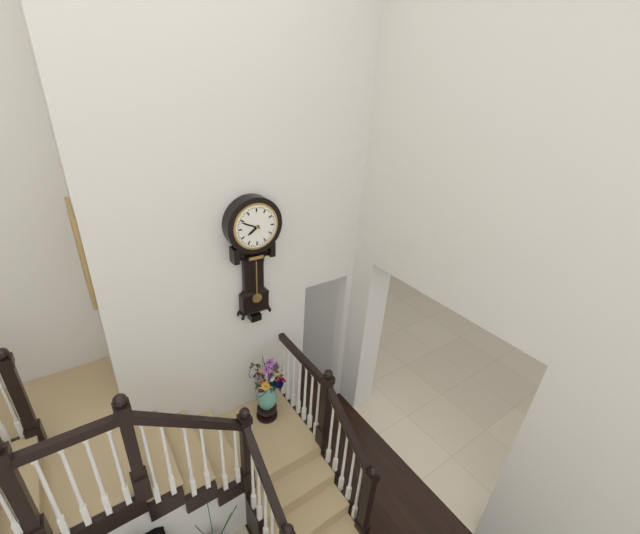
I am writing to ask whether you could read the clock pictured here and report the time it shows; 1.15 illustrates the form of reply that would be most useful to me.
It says 7.49
